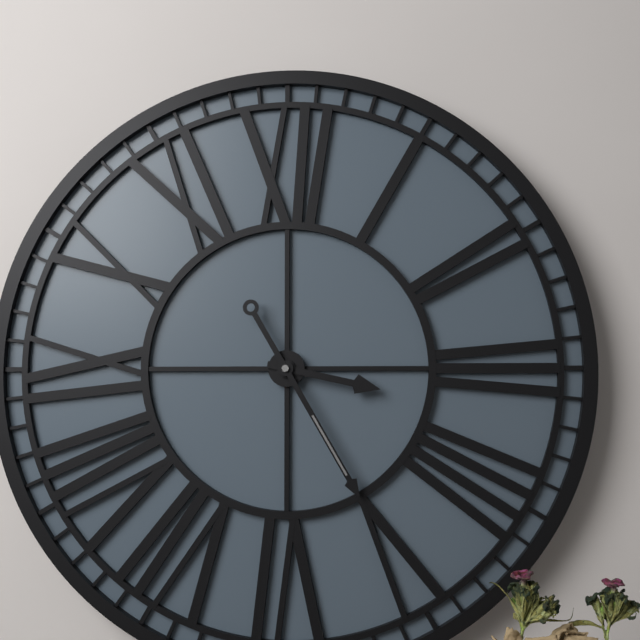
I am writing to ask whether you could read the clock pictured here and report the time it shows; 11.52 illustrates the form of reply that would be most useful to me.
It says 3.25
